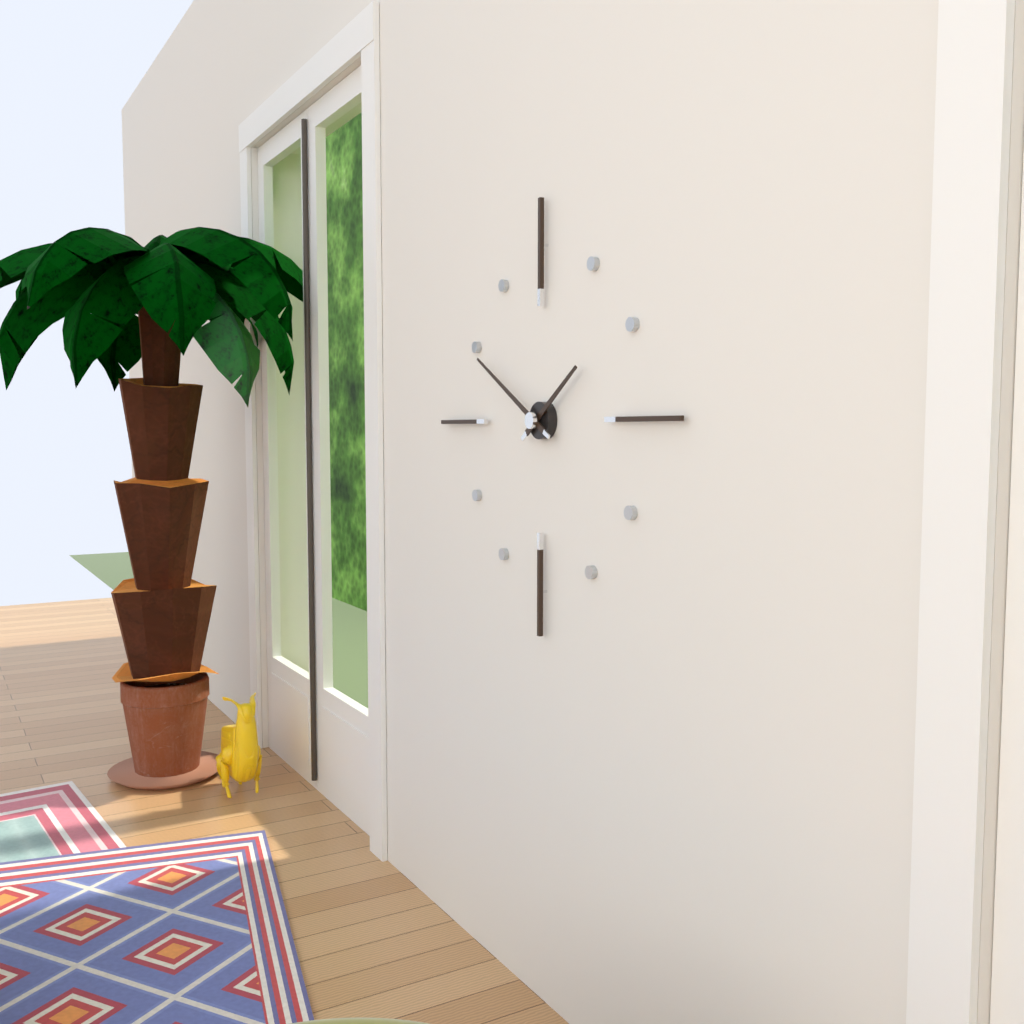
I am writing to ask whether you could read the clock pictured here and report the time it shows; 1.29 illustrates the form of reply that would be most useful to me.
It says 1.50
